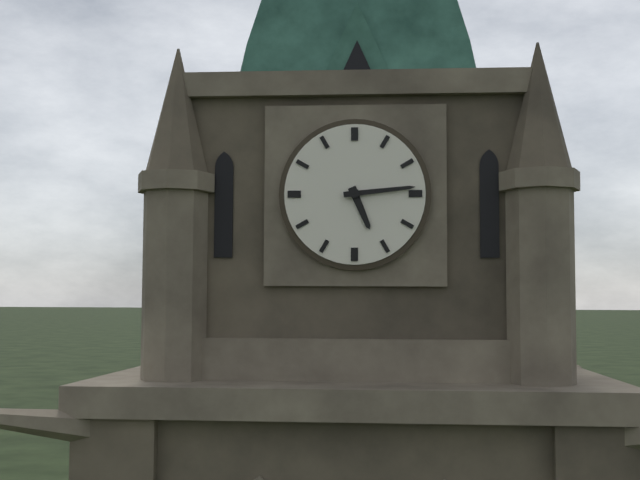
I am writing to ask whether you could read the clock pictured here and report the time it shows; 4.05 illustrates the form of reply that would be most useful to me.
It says 5.14
